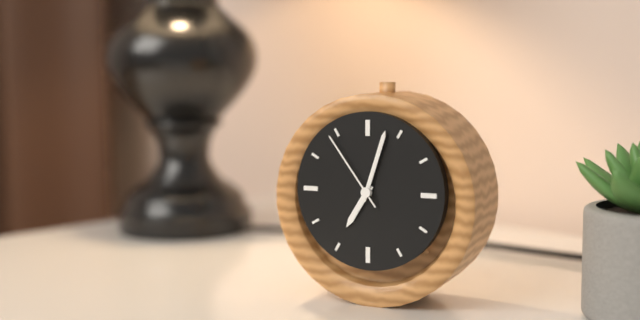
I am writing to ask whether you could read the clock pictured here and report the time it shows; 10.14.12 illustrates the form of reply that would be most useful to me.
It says 7.03.54
